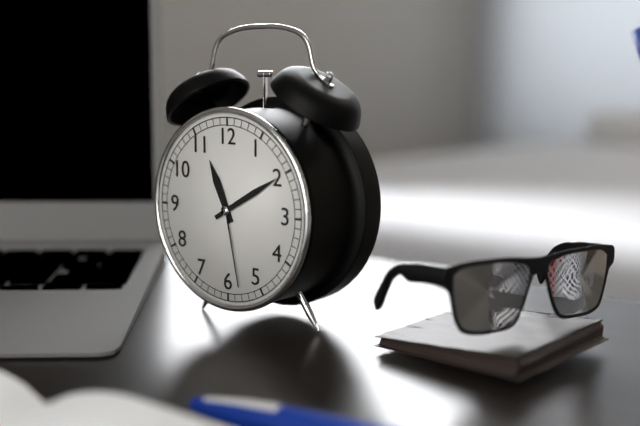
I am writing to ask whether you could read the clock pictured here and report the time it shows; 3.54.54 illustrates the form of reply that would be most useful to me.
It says 11.10.28
